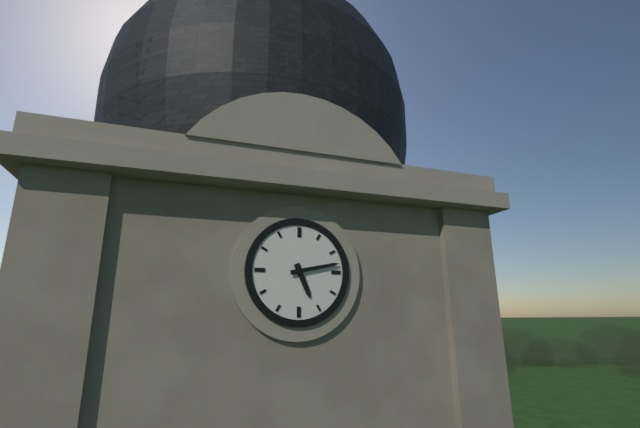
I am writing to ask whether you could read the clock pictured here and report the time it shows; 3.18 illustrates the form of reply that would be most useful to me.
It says 5.13
